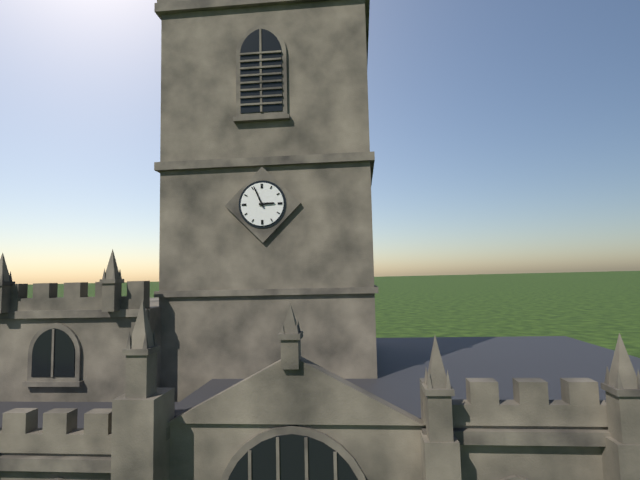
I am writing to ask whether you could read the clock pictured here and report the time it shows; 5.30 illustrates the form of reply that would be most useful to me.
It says 2.56
